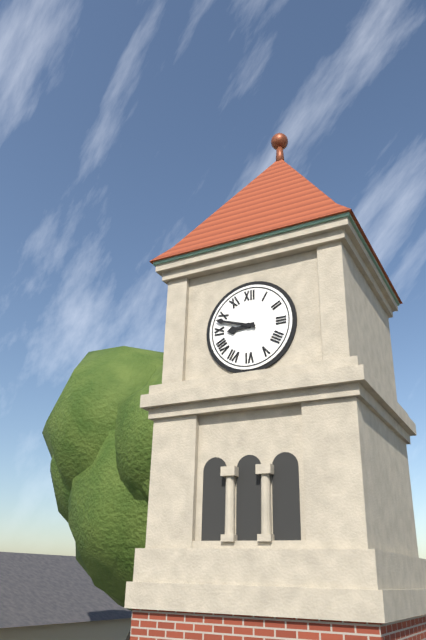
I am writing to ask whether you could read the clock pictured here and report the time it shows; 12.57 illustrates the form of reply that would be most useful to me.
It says 8.48
